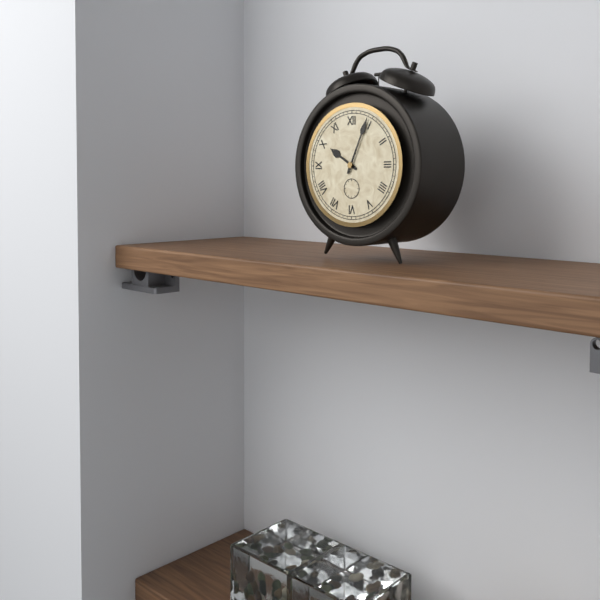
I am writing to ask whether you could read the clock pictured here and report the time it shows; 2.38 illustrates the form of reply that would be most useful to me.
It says 10.04
